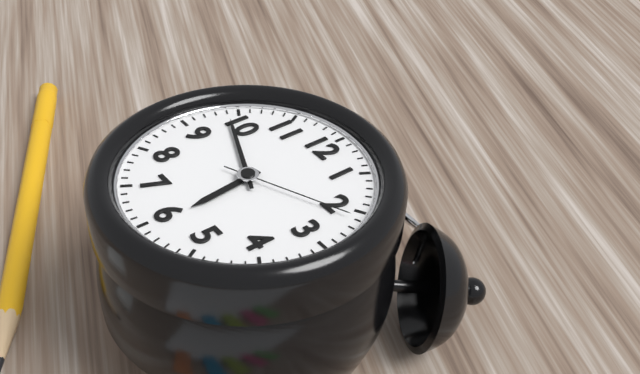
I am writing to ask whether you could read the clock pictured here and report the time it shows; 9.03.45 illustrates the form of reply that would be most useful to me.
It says 5.49.11
